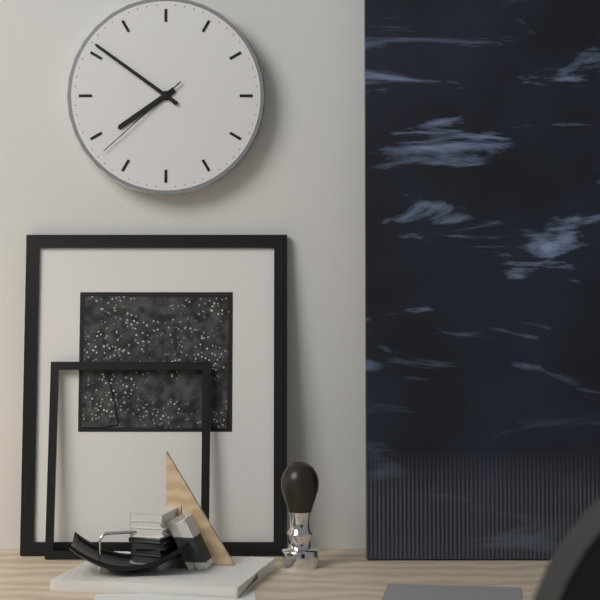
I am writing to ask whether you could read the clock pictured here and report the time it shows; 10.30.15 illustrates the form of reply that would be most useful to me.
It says 7.51.38
